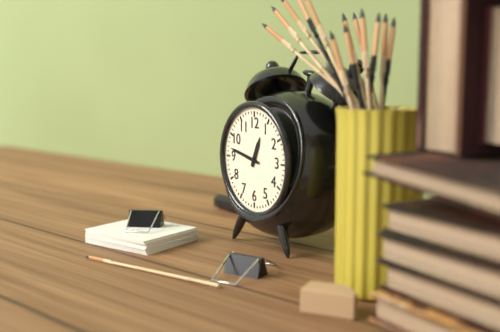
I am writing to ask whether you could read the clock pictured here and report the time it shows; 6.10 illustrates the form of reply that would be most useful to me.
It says 12.47
